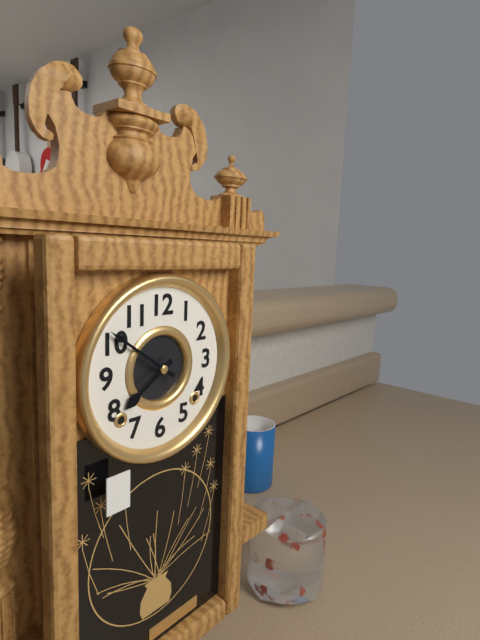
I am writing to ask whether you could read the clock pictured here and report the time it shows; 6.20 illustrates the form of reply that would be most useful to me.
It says 7.51
